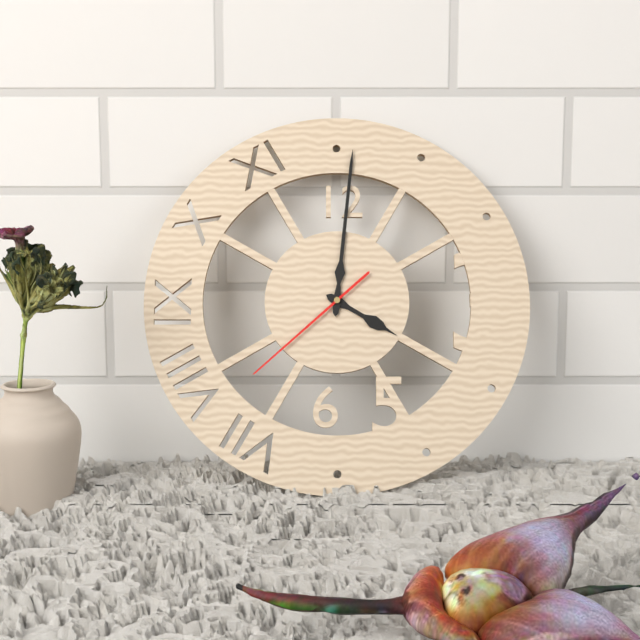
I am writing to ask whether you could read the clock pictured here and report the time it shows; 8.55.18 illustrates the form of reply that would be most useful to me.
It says 4.01.38
